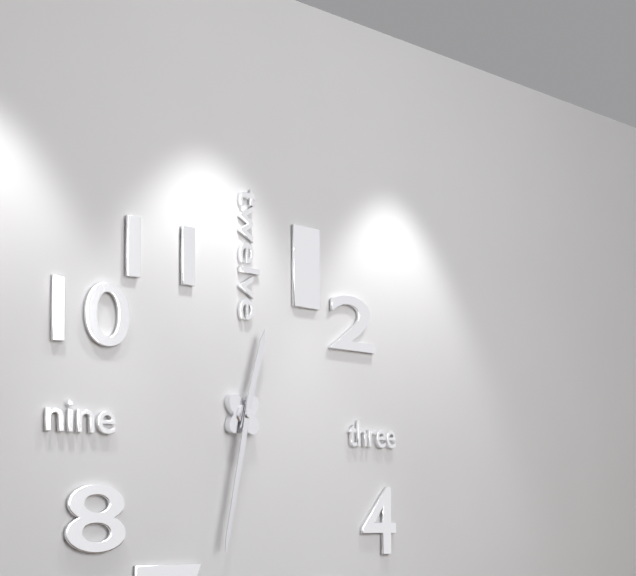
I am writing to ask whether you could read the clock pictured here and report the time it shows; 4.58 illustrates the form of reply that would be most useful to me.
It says 12.32
